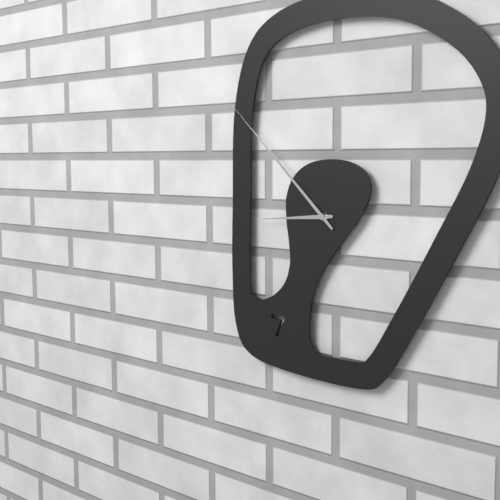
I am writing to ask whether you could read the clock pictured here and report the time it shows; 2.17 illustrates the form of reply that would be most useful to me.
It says 8.52
